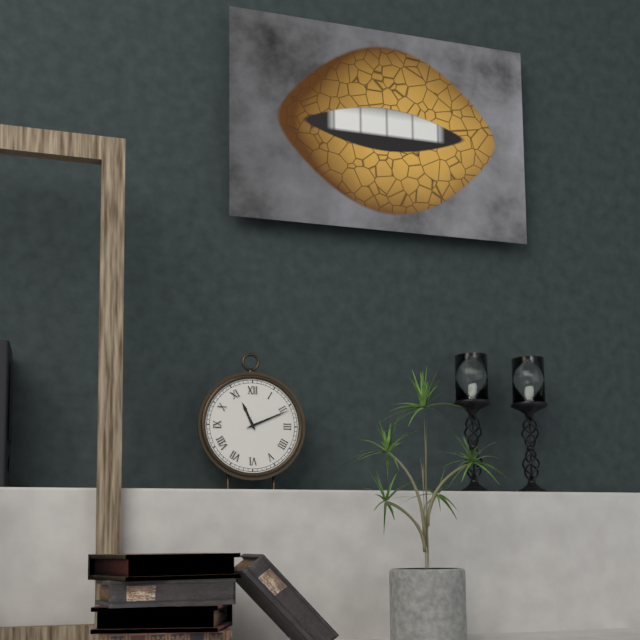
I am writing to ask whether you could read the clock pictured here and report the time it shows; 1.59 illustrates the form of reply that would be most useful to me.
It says 11.11
